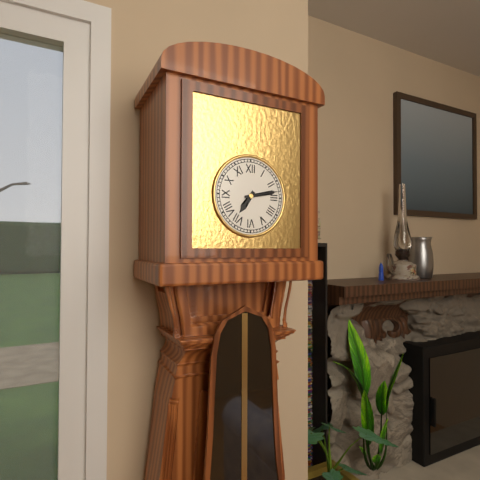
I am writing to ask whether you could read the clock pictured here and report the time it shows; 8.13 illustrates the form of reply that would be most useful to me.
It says 7.13
